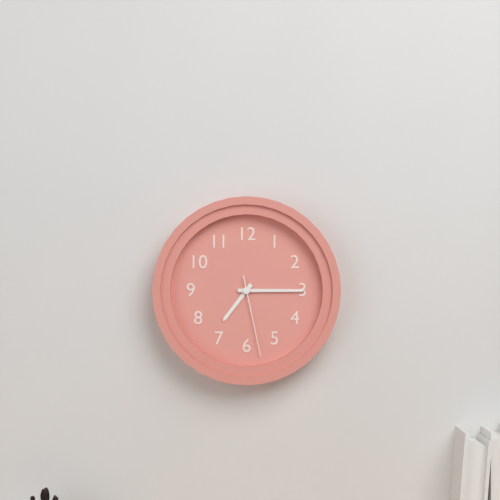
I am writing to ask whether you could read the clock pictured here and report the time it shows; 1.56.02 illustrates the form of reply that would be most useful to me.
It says 7.15.28
